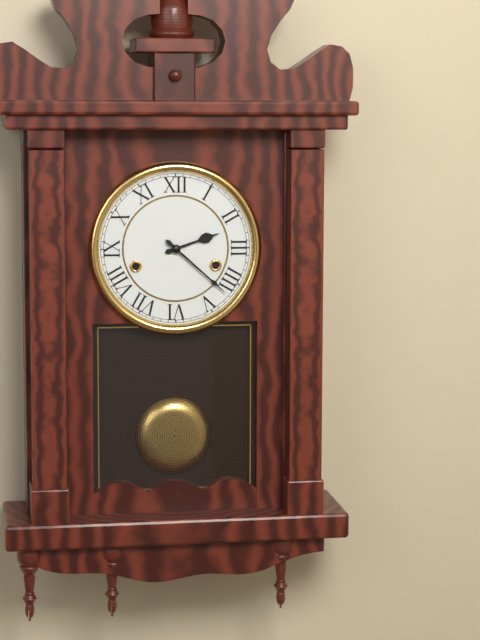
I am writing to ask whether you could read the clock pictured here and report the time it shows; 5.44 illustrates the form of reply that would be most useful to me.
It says 2.22
